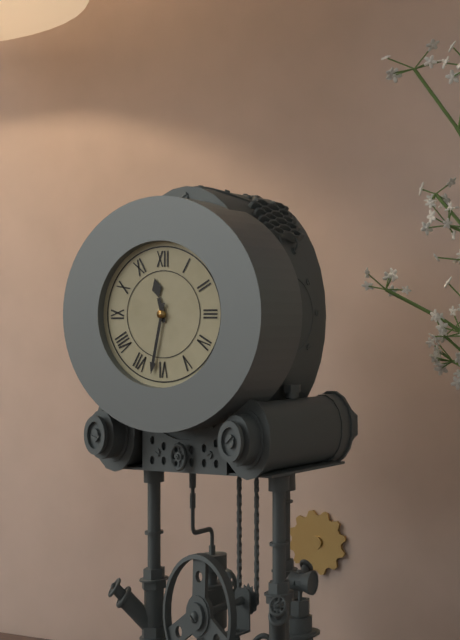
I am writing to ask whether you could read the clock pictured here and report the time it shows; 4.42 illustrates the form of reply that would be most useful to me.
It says 11.32
